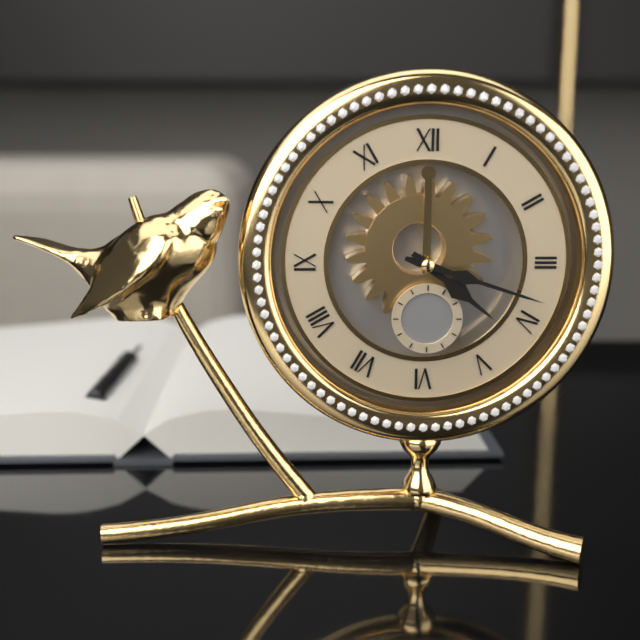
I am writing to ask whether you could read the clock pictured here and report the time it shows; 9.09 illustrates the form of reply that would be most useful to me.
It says 4.18
